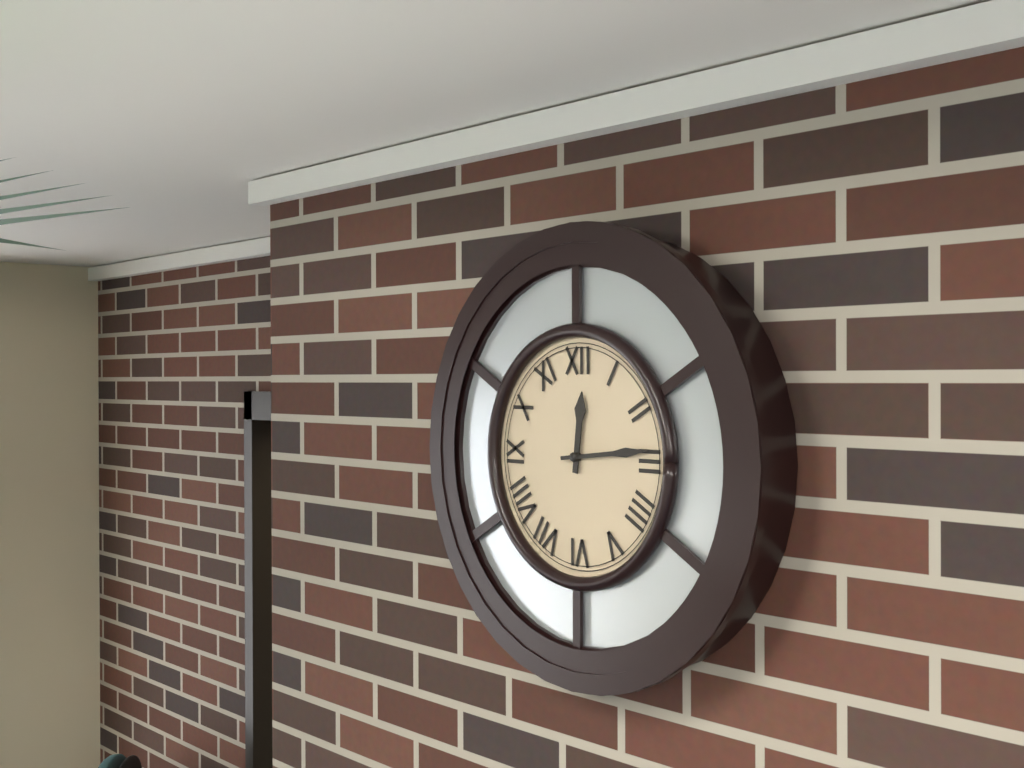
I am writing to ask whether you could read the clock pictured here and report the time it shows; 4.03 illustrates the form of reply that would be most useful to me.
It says 12.14
